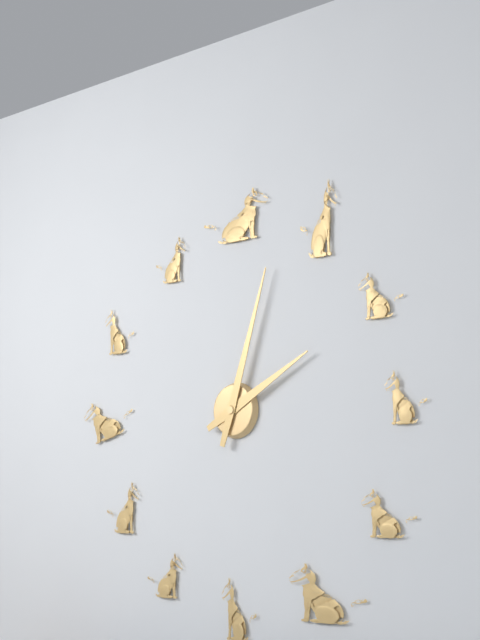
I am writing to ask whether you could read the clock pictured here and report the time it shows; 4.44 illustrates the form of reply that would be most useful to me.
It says 2.03
